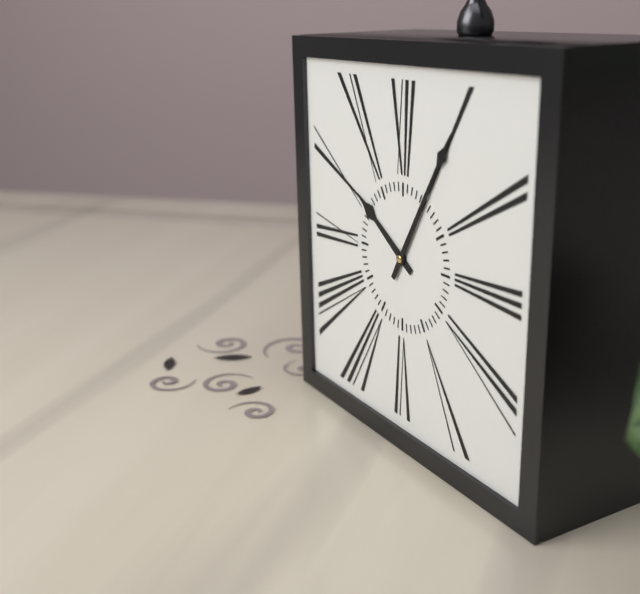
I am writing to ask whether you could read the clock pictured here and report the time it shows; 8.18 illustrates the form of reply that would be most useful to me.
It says 10.05
